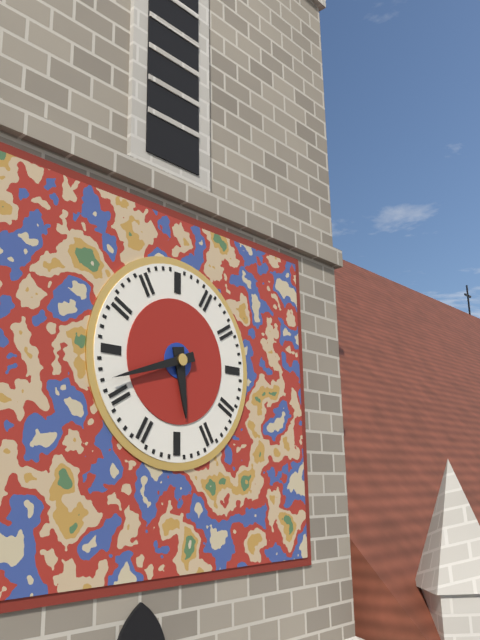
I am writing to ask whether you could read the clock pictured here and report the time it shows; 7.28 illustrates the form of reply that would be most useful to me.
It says 5.42
